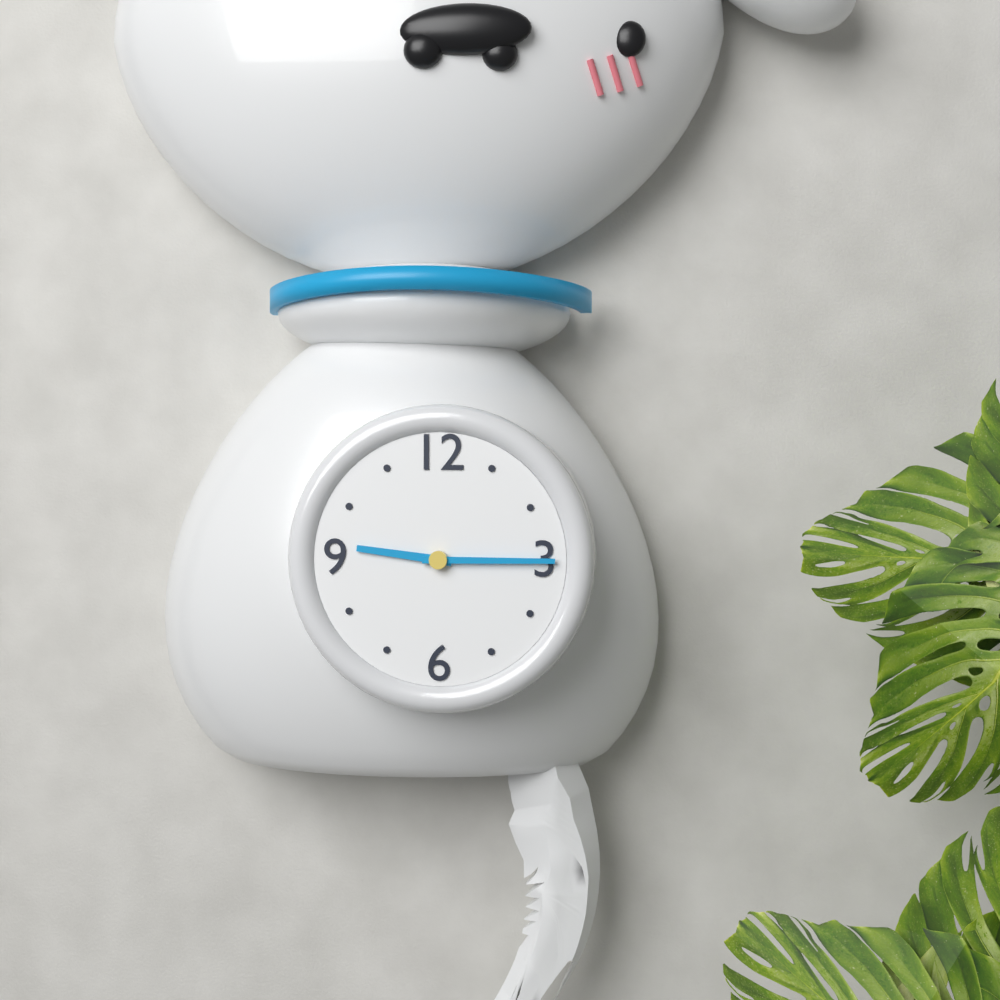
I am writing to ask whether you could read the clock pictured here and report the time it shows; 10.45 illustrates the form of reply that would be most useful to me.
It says 9.15
